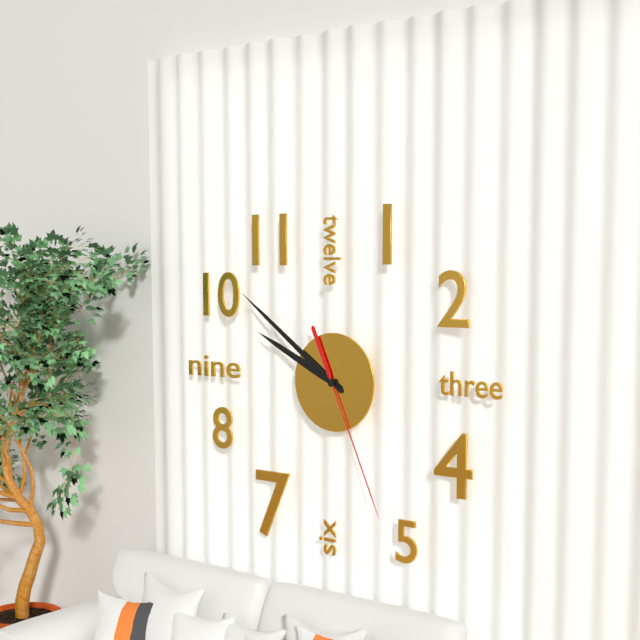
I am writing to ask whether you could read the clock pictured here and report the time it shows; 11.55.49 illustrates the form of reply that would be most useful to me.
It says 9.51.26
